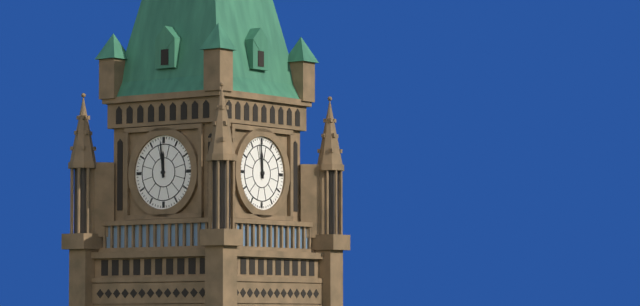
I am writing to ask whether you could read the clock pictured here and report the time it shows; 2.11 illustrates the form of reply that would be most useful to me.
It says 11.59
